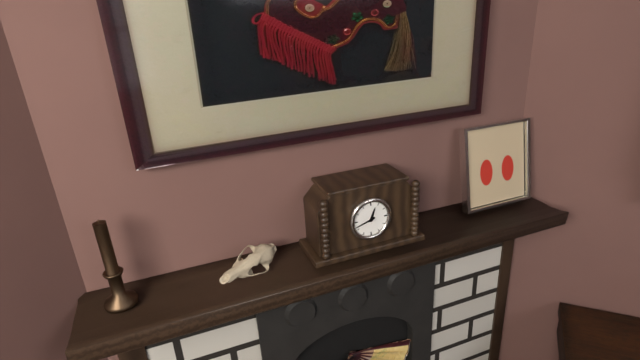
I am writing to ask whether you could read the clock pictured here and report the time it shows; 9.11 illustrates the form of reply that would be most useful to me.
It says 12.42
